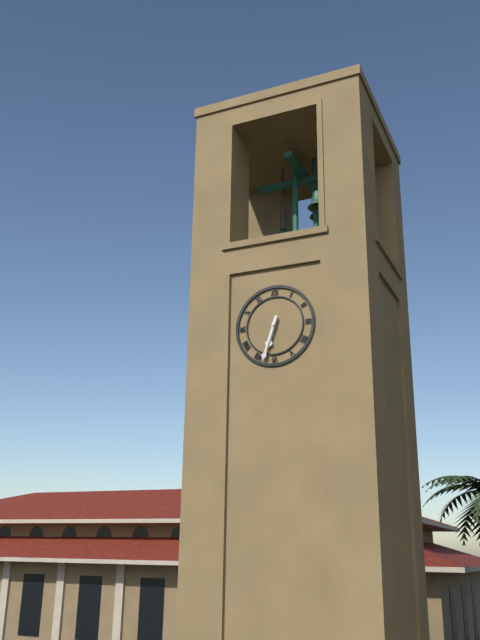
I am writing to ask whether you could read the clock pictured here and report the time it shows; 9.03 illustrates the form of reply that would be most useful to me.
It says 6.33
